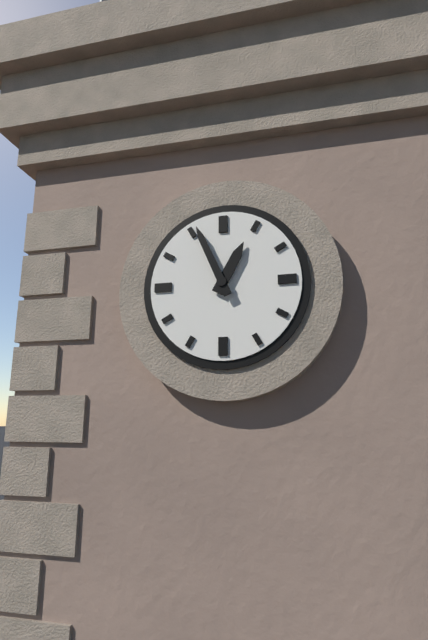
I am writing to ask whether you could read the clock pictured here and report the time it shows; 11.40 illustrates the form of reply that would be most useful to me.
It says 12.56
